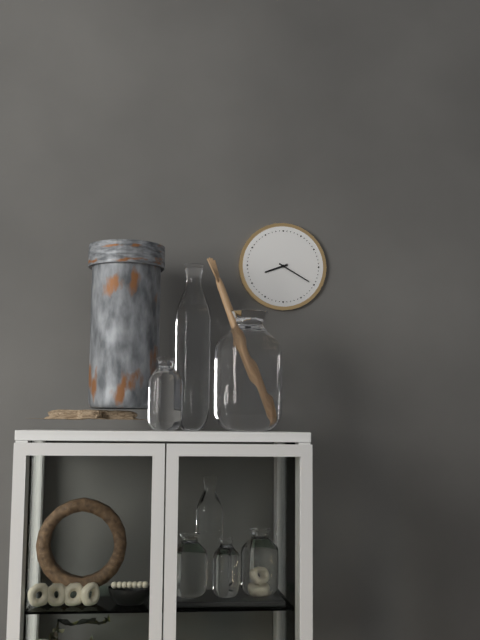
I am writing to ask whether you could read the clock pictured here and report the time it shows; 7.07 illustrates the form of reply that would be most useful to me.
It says 8.20
